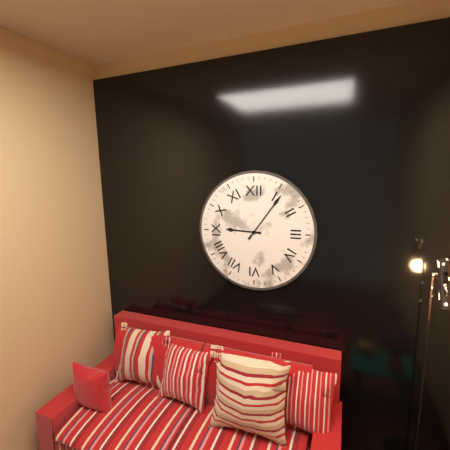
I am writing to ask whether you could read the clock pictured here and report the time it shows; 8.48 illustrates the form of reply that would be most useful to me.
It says 9.06
